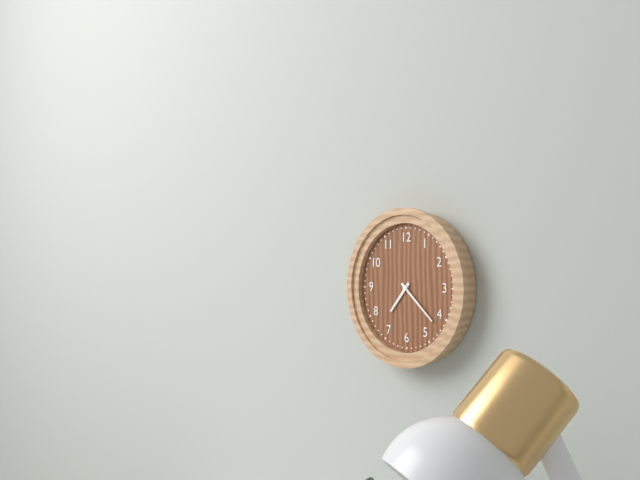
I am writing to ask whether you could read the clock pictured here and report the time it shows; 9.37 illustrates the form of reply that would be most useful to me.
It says 7.22
